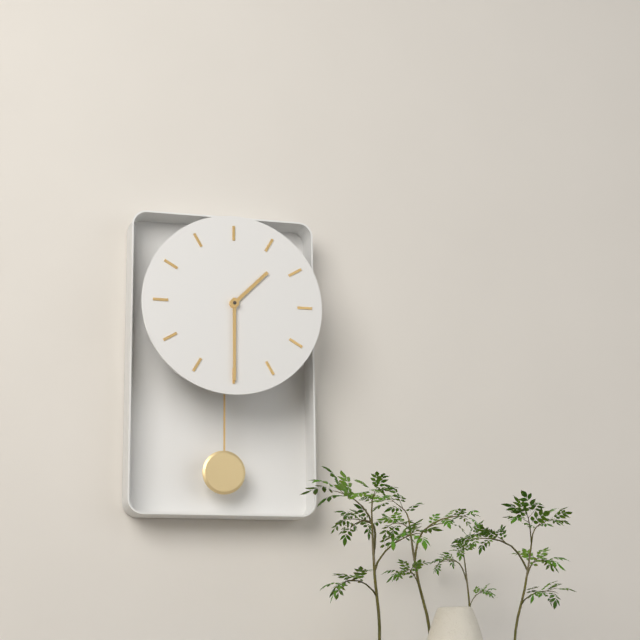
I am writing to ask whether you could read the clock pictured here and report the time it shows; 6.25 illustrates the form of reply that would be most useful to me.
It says 1.30
